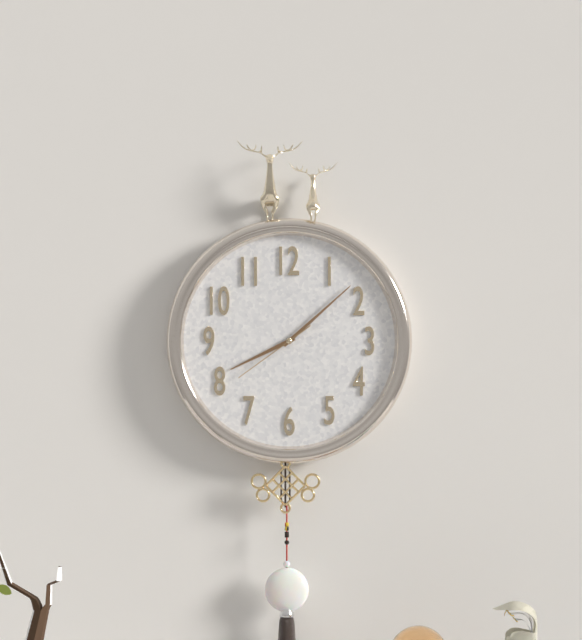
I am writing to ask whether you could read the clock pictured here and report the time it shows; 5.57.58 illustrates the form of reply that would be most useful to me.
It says 8.08.39
